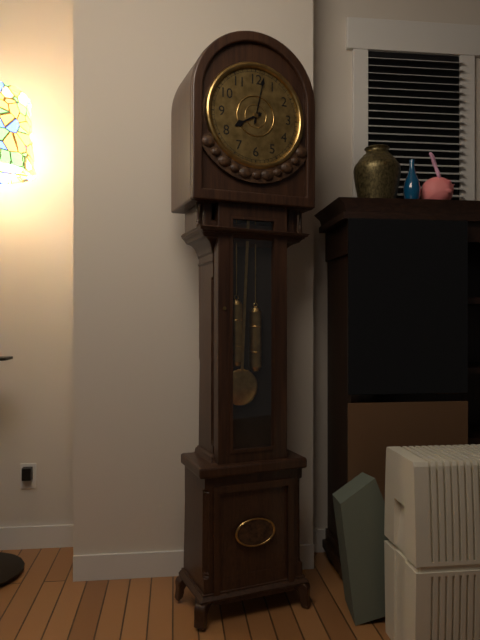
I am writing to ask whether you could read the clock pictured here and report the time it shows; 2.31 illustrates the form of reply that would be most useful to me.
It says 8.02
